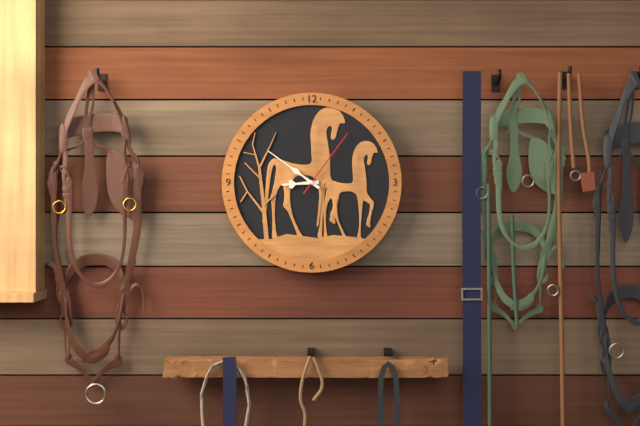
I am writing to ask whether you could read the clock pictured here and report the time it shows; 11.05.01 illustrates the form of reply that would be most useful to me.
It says 8.51.06
